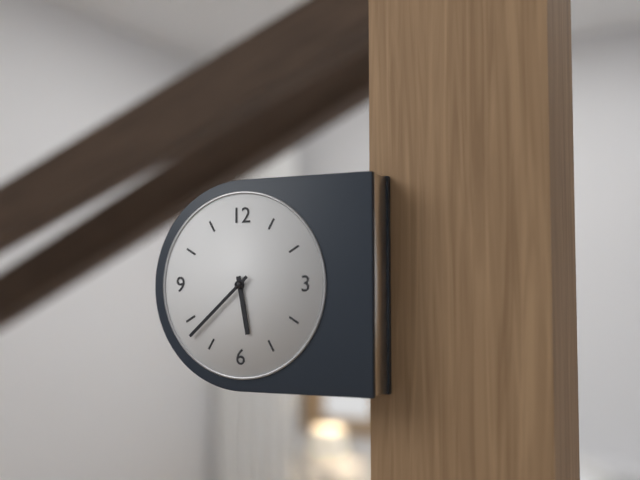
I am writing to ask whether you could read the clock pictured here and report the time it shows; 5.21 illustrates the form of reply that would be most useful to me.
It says 5.38
